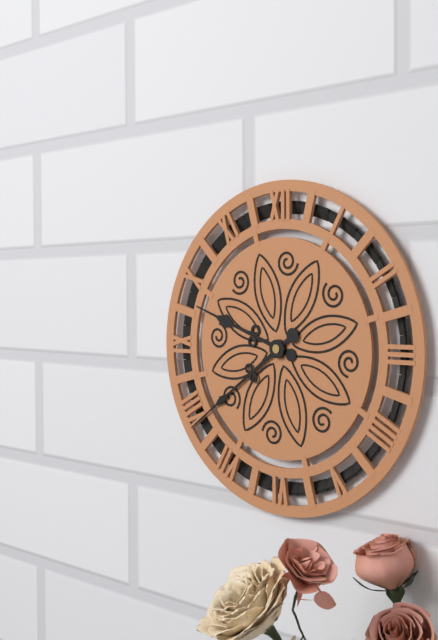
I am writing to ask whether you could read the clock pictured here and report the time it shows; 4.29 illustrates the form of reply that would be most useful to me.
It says 9.39
